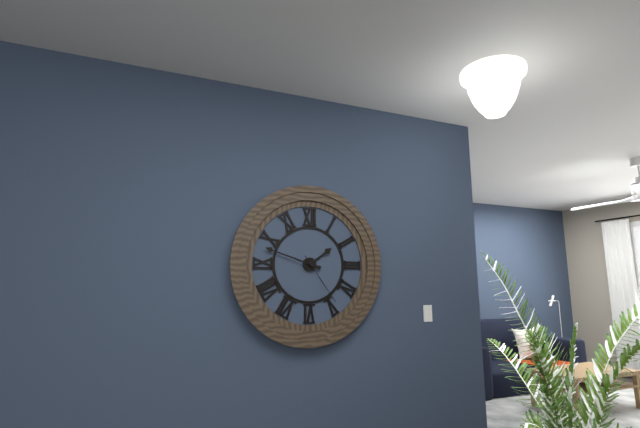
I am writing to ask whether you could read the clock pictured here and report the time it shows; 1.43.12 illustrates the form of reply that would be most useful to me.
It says 1.48.24
